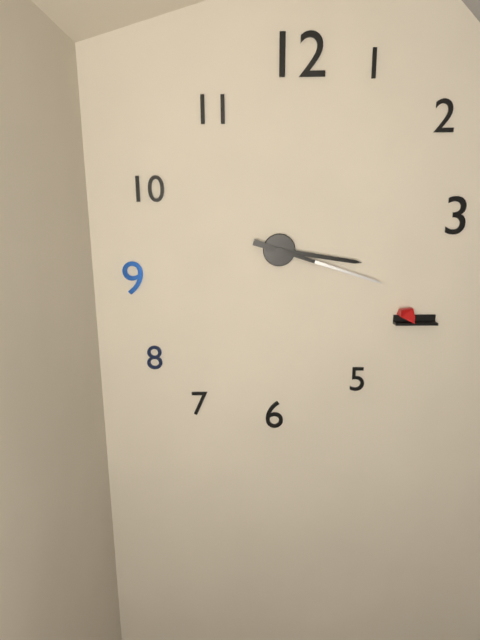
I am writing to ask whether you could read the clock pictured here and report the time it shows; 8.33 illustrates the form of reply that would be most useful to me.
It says 3.18
